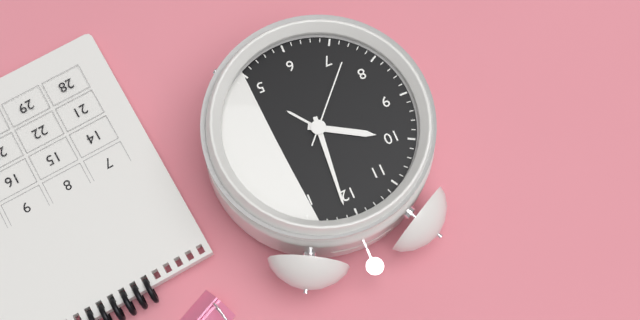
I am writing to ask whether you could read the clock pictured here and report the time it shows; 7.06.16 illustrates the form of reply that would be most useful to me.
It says 10.01.37
